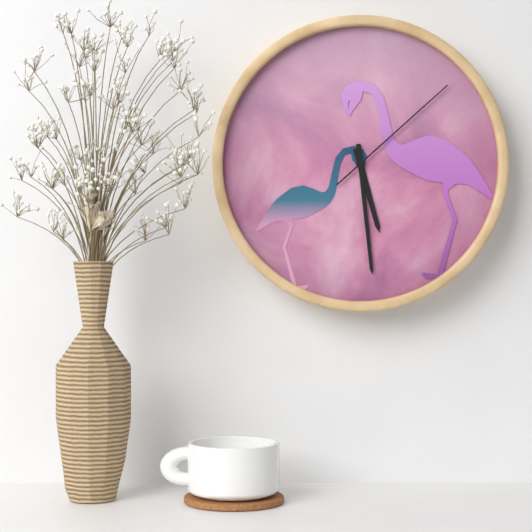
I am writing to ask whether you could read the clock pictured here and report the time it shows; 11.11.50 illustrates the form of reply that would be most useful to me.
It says 5.29.08
